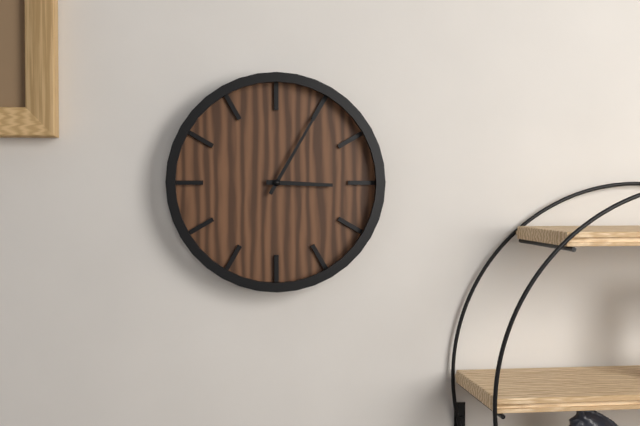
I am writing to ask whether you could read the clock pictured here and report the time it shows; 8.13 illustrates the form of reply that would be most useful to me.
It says 3.05
